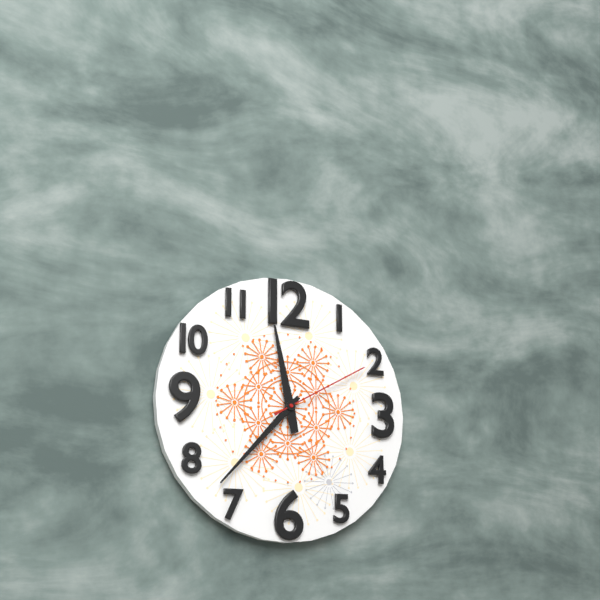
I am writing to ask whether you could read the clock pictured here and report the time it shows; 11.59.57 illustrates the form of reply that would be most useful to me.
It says 11.37.10
